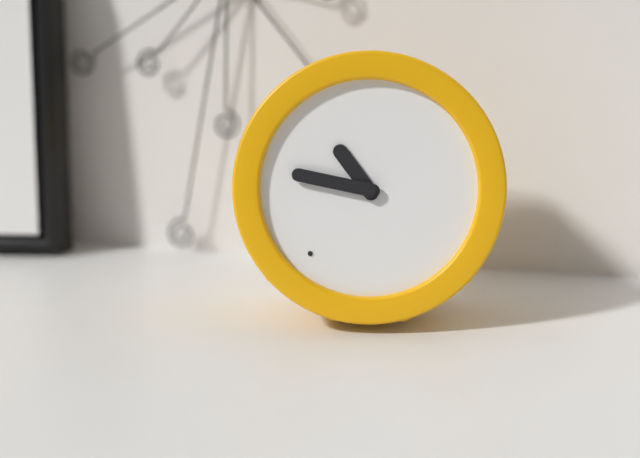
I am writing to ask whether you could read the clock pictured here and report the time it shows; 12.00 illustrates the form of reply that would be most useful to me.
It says 10.47
